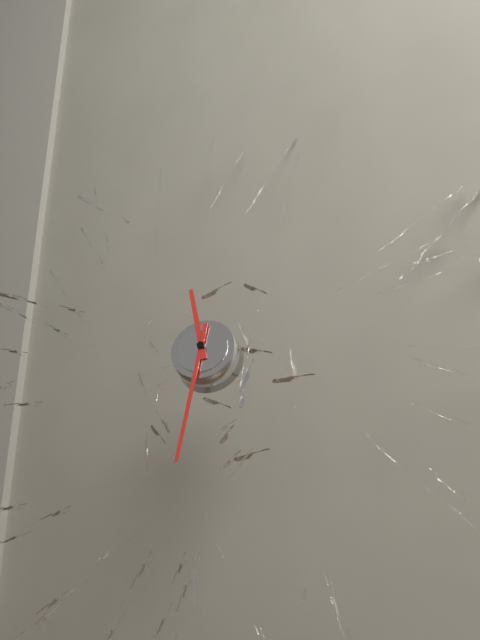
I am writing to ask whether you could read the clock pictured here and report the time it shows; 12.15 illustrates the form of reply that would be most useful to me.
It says 11.31
